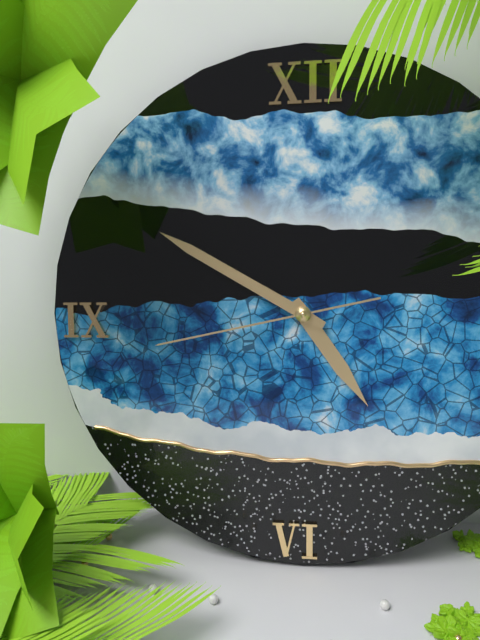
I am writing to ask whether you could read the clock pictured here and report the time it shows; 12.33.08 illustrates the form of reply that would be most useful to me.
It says 4.50.43
